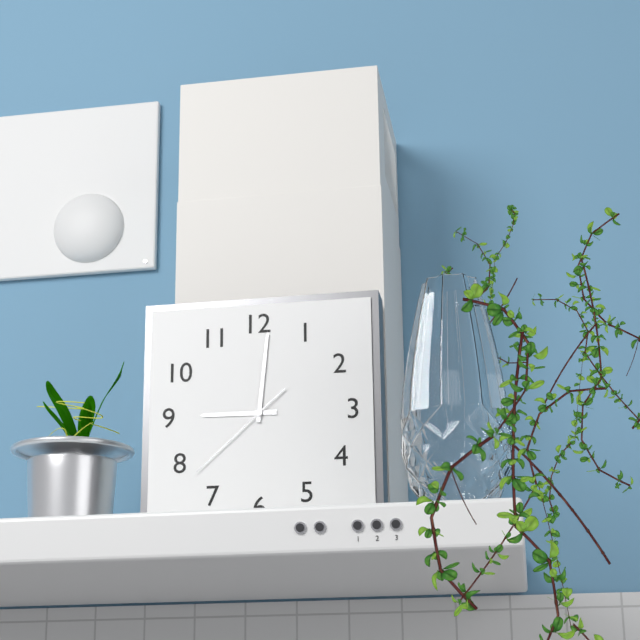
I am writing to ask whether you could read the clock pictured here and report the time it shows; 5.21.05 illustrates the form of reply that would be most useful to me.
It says 9.01.38
